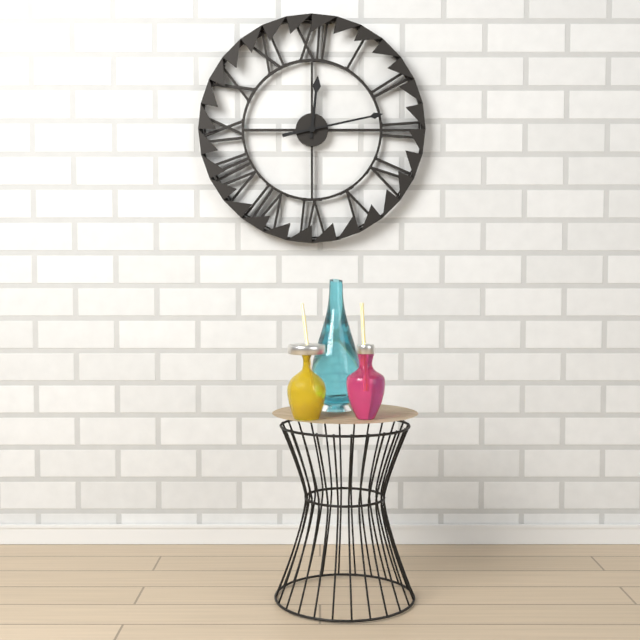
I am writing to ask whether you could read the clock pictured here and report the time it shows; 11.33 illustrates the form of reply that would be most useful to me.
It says 12.13
